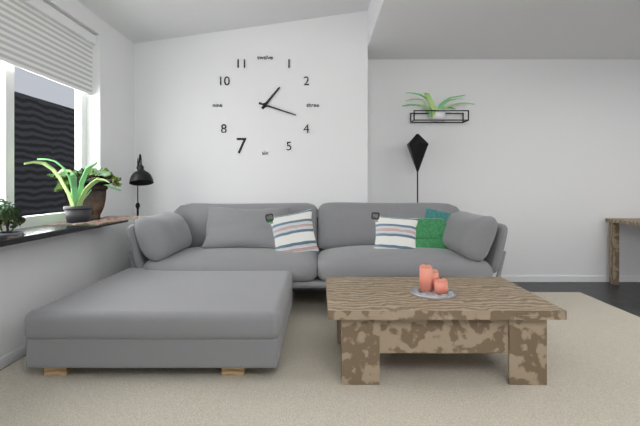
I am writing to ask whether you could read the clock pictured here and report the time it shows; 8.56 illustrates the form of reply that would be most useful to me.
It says 1.18
